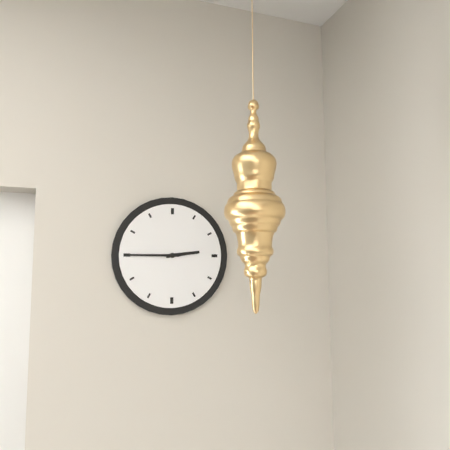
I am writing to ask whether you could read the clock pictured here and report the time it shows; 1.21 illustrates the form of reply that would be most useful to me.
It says 2.45
